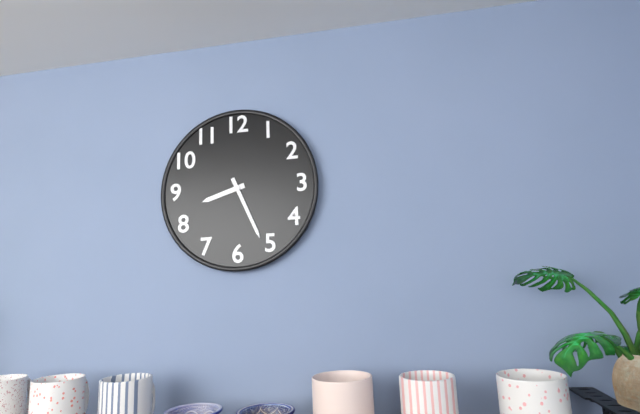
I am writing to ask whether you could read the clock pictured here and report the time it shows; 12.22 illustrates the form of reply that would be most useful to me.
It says 8.26
